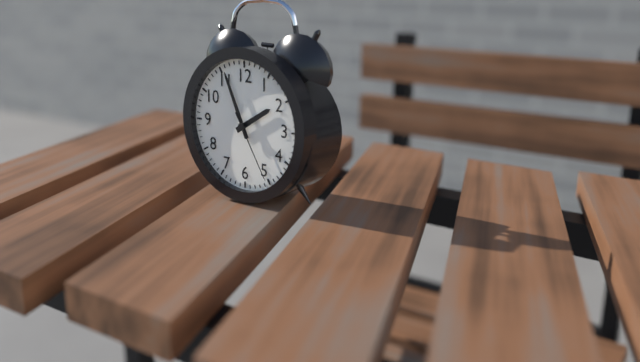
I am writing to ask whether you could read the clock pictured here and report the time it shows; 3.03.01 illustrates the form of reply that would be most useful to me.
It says 1.56.25
